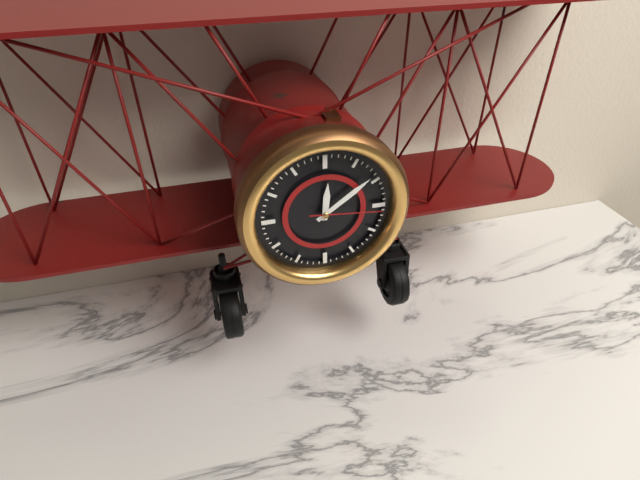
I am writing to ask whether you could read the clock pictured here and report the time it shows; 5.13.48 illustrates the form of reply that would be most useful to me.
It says 12.09.16
